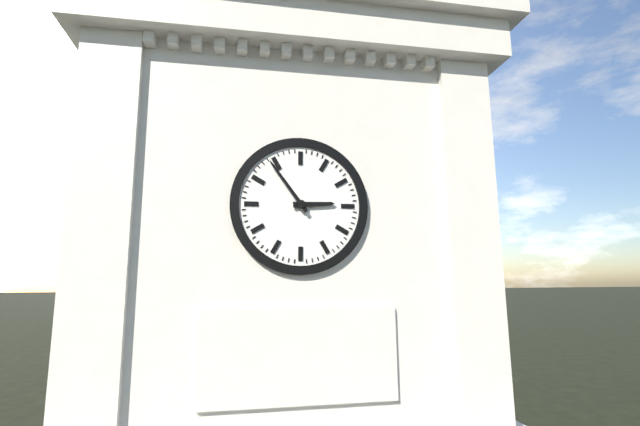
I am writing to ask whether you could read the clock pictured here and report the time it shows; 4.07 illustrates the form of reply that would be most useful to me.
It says 2.54
